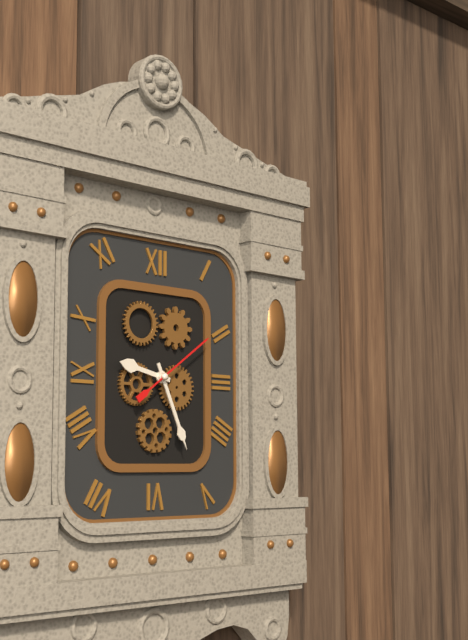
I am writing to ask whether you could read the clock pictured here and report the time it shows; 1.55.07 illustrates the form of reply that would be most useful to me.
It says 9.26.09
